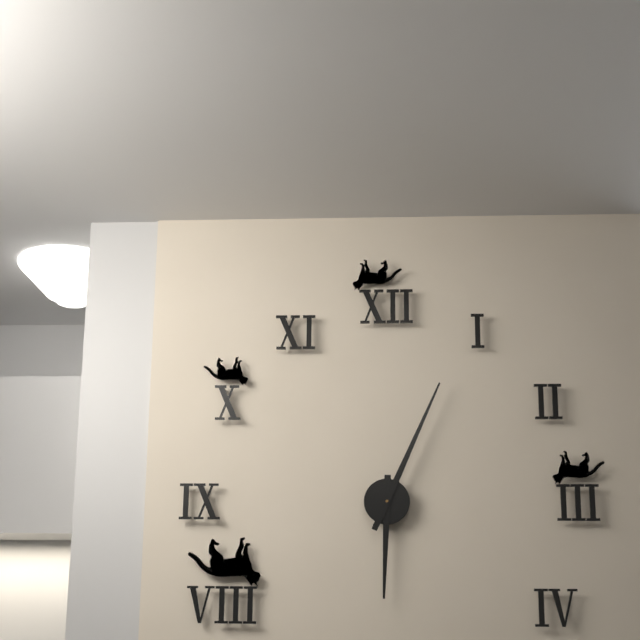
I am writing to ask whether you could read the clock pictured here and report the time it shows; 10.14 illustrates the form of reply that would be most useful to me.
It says 6.04
